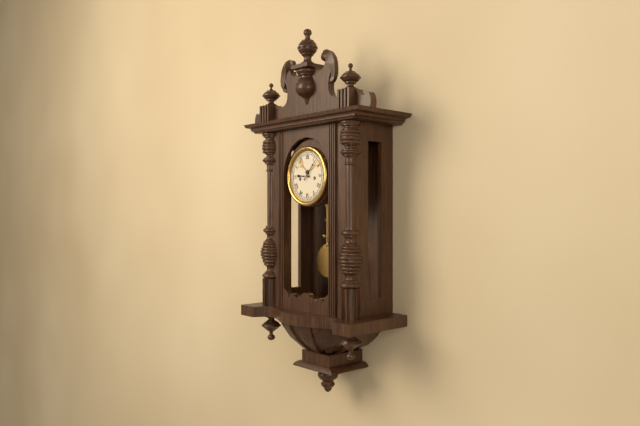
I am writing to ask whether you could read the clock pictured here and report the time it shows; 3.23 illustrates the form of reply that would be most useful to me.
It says 9.07
